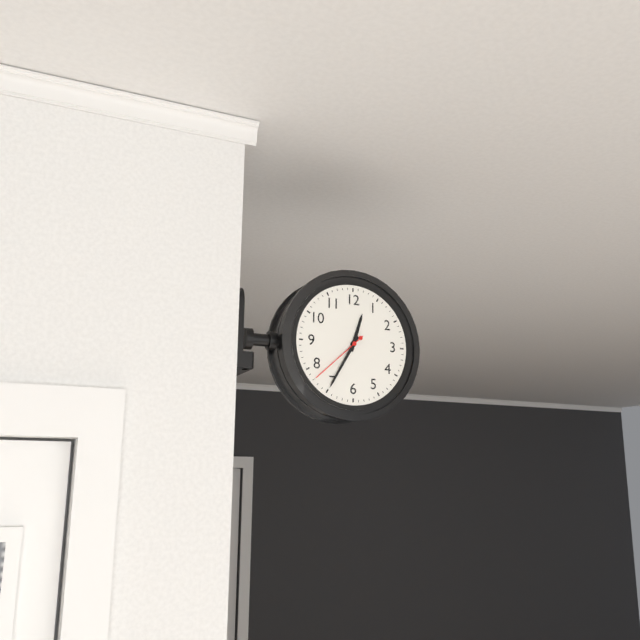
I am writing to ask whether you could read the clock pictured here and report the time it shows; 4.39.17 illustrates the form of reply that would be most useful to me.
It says 12.35.38
